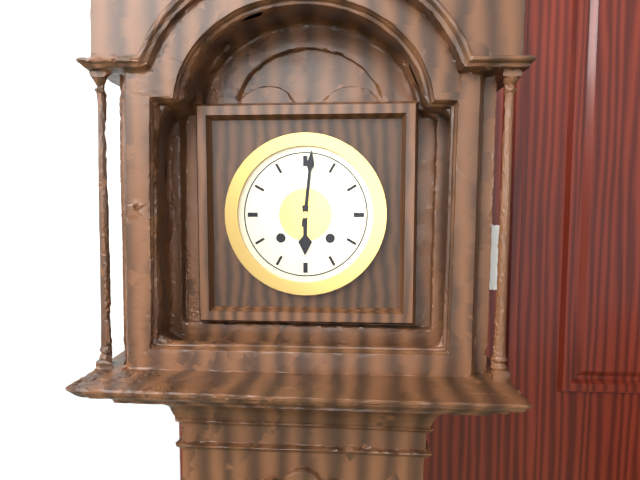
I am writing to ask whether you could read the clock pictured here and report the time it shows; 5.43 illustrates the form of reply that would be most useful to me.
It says 6.01
